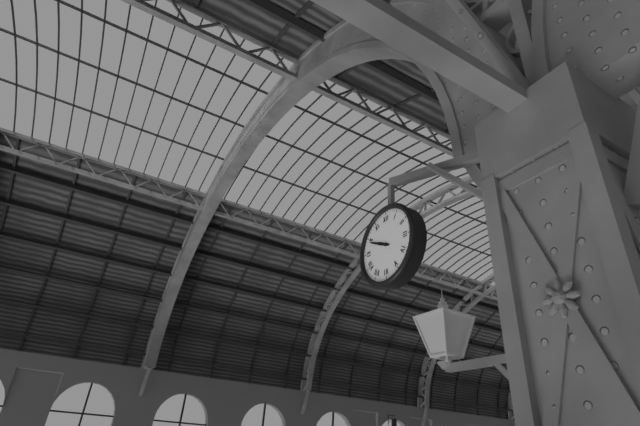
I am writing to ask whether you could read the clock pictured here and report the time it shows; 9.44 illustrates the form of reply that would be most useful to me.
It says 9.49
